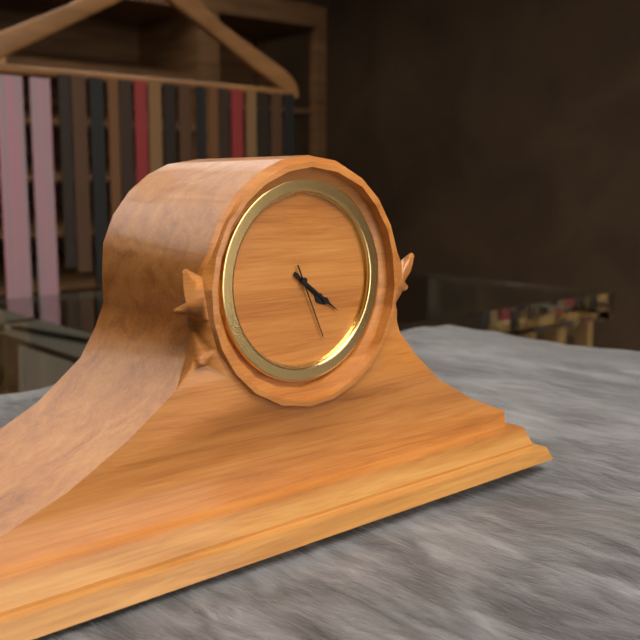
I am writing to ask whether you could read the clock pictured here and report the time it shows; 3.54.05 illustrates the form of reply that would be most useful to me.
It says 4.21.26
